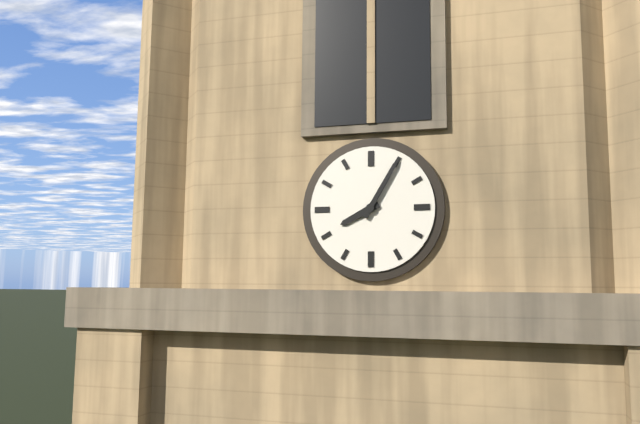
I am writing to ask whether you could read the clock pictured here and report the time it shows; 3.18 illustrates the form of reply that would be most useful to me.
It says 8.05
